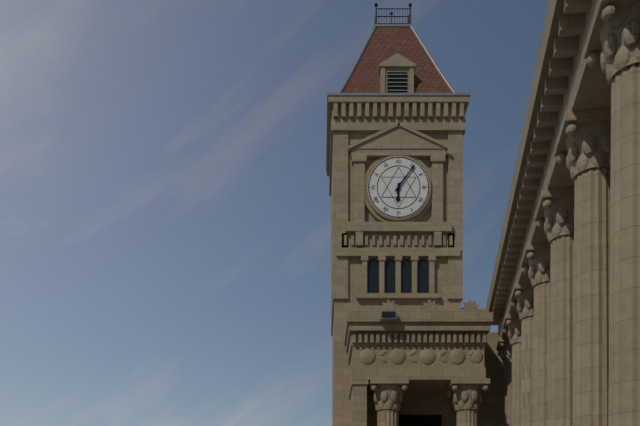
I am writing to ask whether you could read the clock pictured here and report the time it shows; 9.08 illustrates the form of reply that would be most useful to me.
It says 6.06
